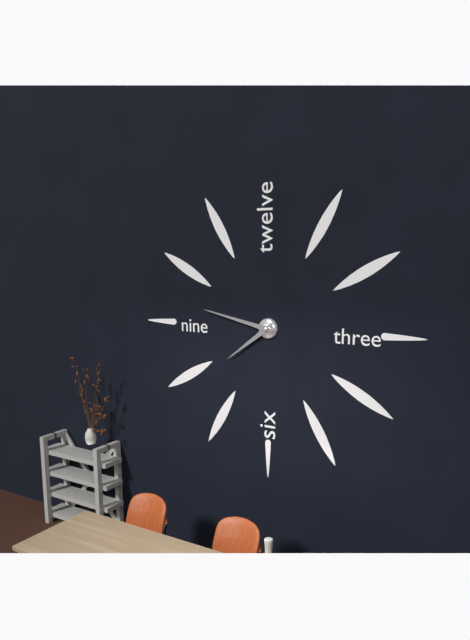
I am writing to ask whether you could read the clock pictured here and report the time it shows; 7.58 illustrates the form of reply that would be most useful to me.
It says 7.47
